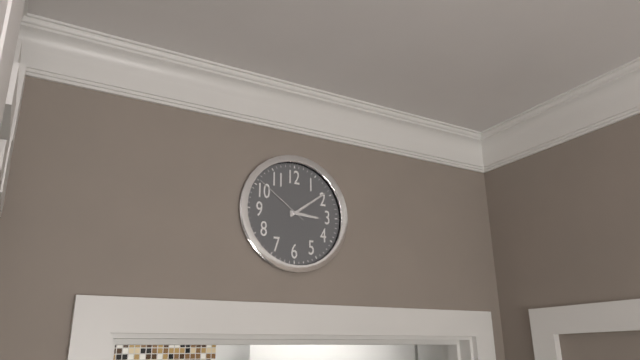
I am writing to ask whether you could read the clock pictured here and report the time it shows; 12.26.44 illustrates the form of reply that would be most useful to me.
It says 3.09.51
